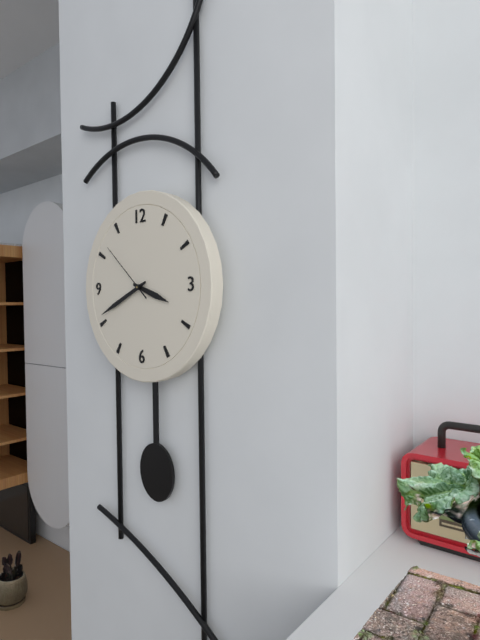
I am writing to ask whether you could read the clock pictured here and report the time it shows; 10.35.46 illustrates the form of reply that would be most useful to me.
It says 3.41.52
